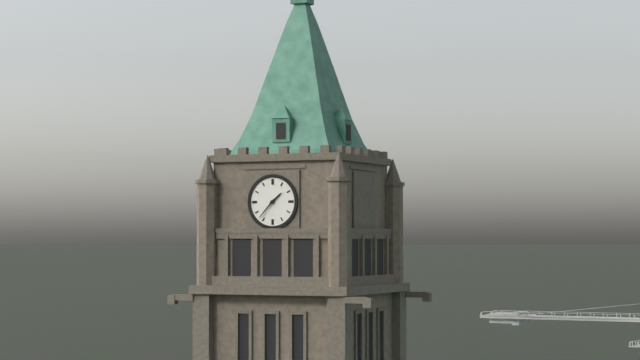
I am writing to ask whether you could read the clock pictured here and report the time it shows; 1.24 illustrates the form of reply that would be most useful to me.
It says 1.37
